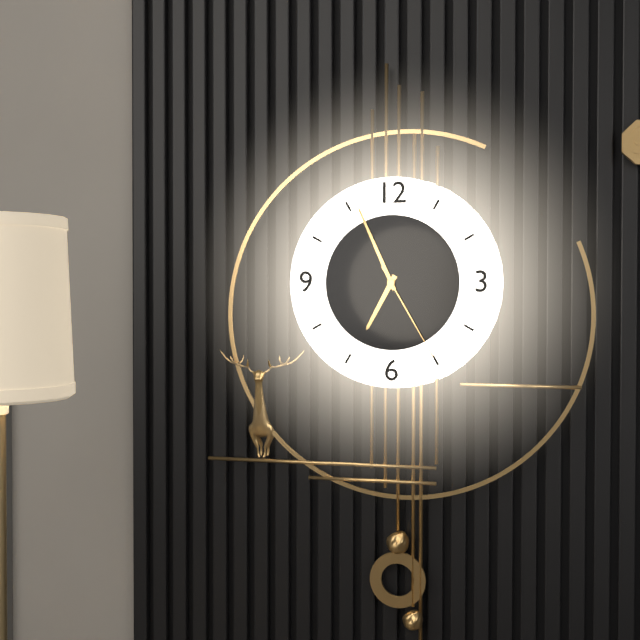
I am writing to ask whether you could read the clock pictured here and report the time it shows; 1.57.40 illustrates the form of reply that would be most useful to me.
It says 6.56.25
